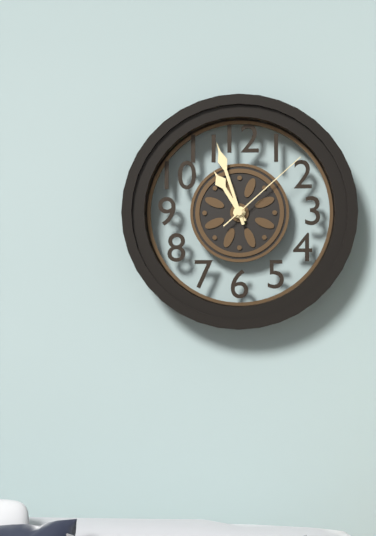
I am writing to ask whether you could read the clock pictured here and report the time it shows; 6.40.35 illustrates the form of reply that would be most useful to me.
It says 10.57.08
